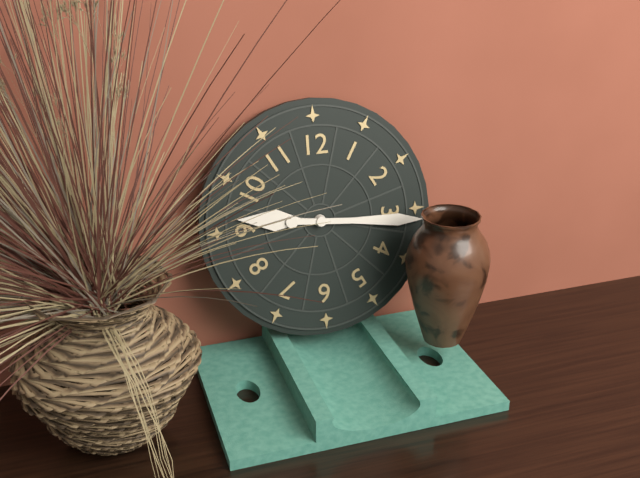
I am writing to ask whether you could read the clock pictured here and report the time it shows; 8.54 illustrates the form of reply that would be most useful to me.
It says 9.16
